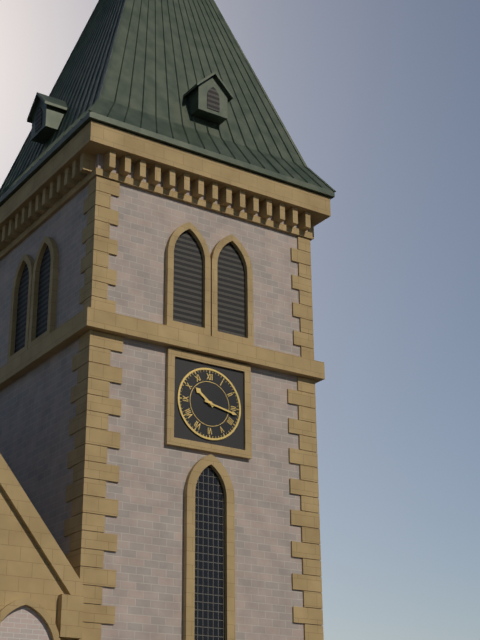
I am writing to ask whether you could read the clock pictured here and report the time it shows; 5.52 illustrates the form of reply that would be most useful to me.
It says 10.17
